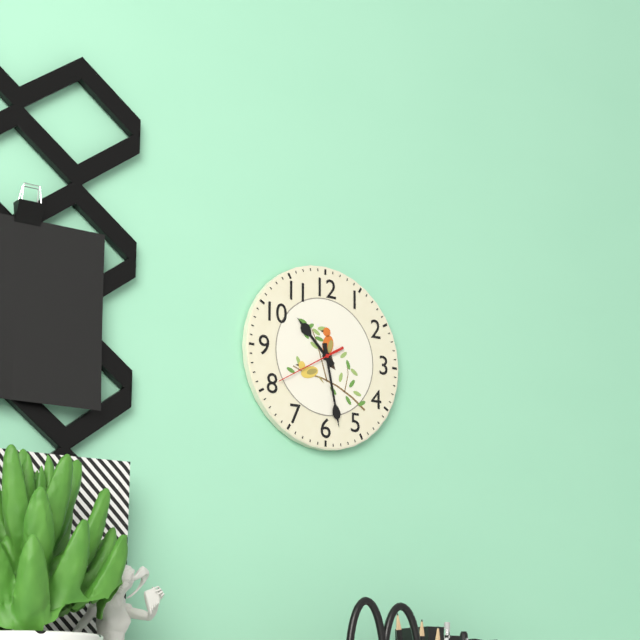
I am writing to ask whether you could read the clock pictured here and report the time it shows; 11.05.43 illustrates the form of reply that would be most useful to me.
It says 10.28.40
